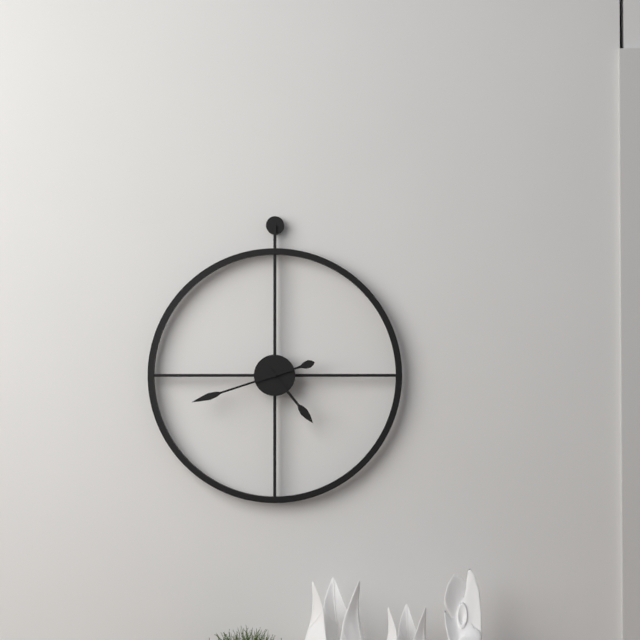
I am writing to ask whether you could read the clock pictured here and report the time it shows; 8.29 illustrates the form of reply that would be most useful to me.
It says 4.42
